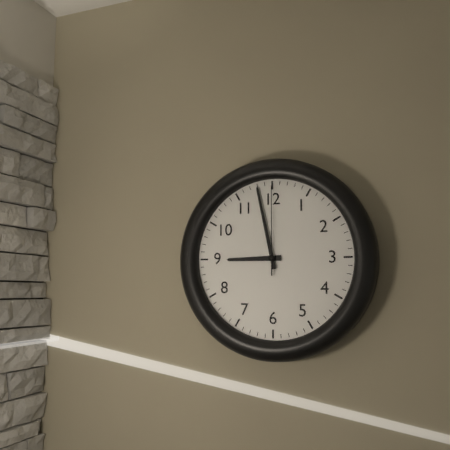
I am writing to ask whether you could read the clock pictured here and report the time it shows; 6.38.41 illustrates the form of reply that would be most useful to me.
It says 8.58.00
